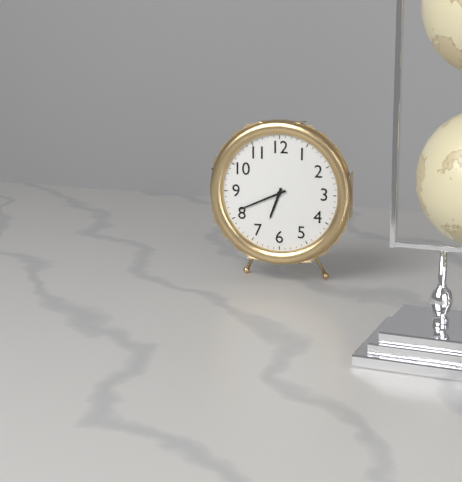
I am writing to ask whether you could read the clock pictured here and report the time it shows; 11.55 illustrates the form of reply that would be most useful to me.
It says 6.41
